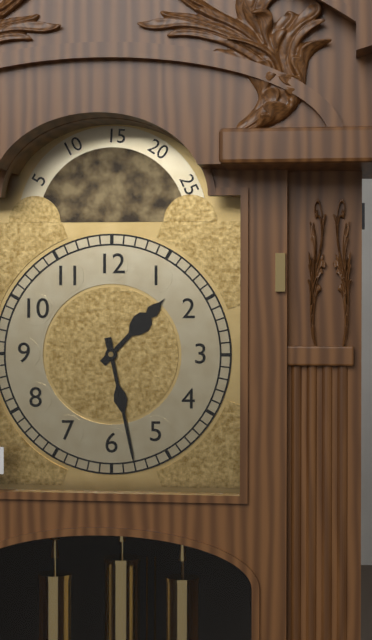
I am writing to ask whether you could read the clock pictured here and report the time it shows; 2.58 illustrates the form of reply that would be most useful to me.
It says 1.28
